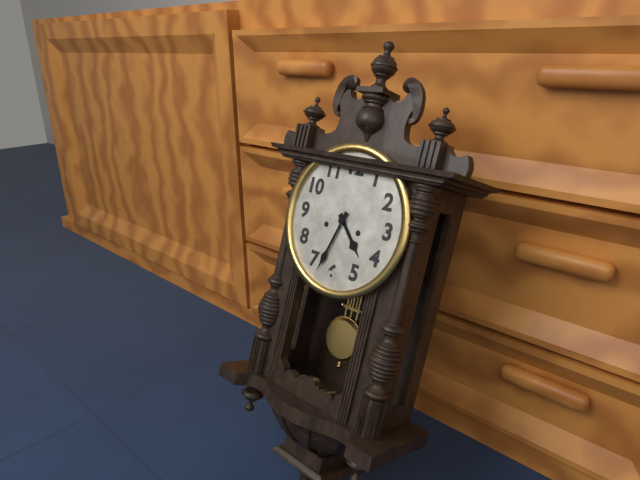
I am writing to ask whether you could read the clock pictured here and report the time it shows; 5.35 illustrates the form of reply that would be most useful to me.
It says 4.33
